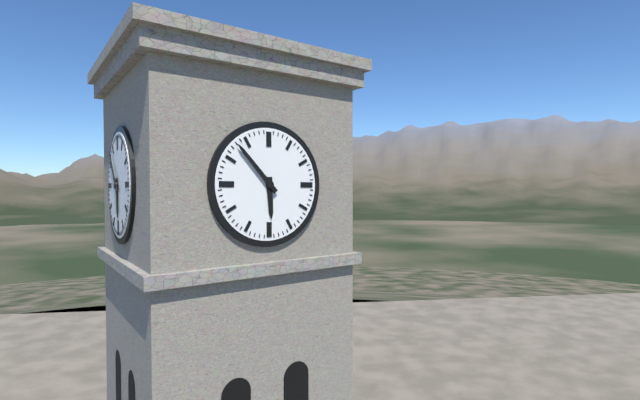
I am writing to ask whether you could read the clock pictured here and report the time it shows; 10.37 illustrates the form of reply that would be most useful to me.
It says 5.53
